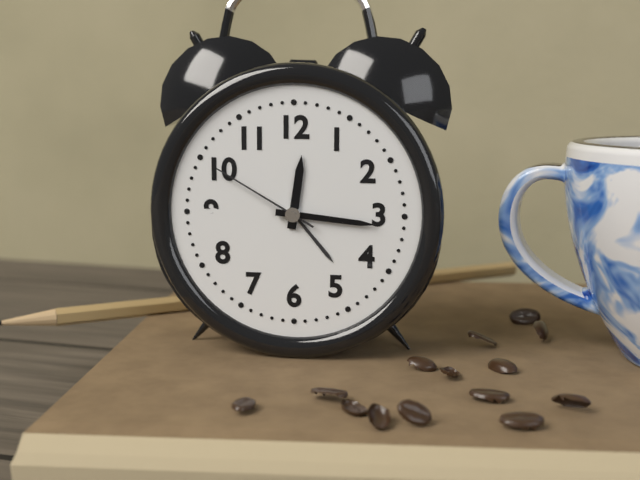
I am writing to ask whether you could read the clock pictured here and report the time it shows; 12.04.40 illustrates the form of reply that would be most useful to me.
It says 12.16.50
